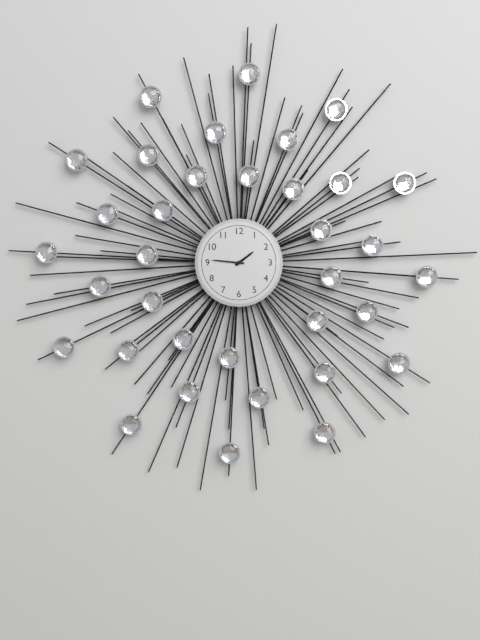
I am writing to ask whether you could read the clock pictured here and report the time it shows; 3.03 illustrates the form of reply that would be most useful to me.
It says 1.46
